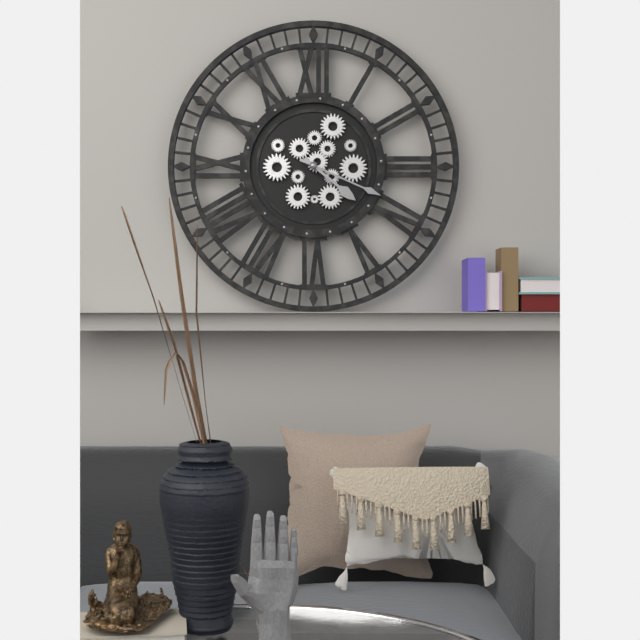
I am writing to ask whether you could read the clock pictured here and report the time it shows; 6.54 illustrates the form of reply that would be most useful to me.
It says 4.19
